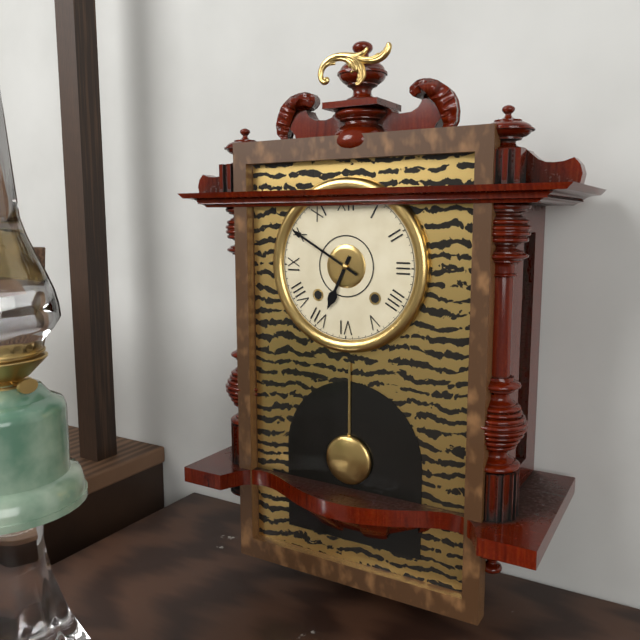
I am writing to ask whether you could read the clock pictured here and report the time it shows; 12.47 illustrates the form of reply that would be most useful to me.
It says 6.50
